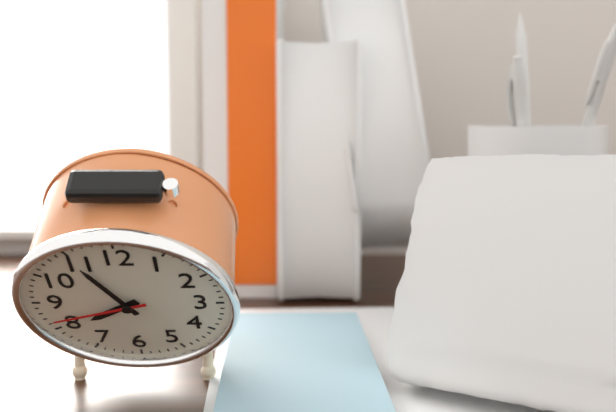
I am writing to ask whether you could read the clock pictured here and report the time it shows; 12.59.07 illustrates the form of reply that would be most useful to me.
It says 7.55.42
